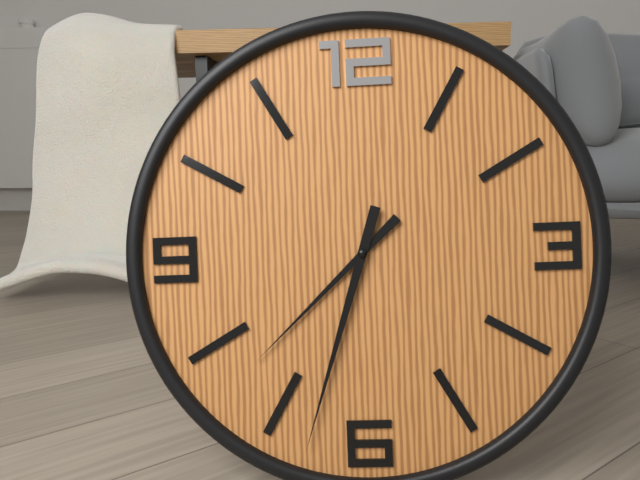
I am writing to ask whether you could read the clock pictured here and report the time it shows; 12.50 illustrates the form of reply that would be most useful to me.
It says 7.33
